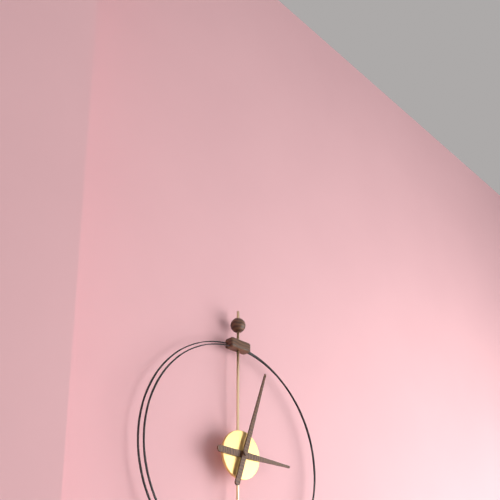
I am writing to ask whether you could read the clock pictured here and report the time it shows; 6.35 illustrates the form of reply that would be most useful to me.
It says 3.03
